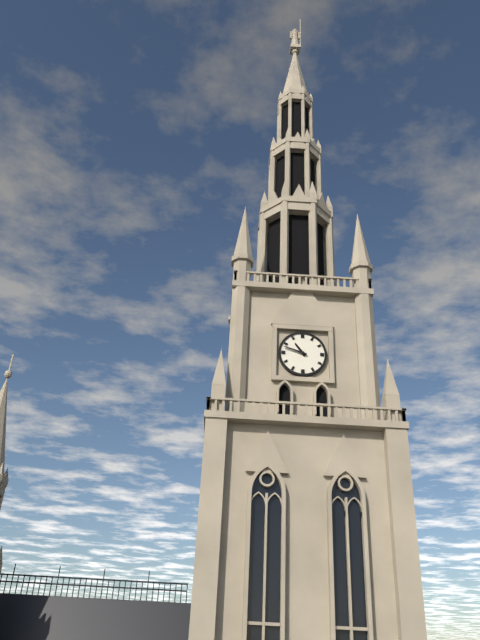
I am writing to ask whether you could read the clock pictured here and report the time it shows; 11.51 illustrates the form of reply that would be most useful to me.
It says 10.48
